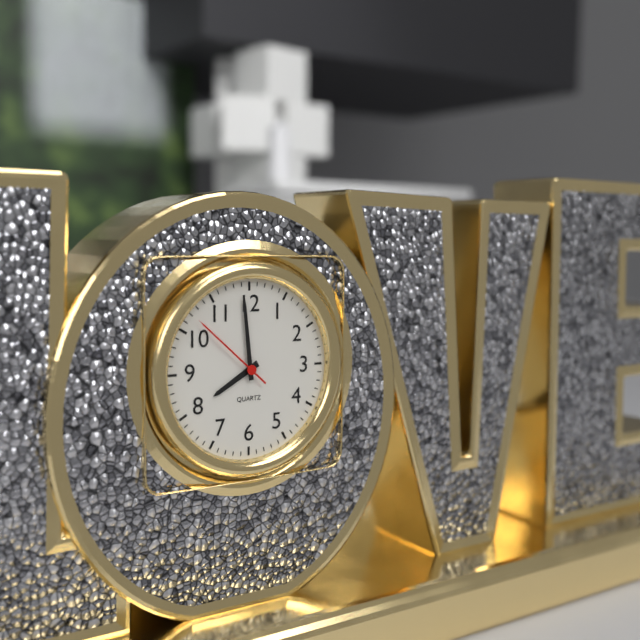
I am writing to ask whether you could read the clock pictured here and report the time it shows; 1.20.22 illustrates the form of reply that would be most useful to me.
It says 7.59.52
